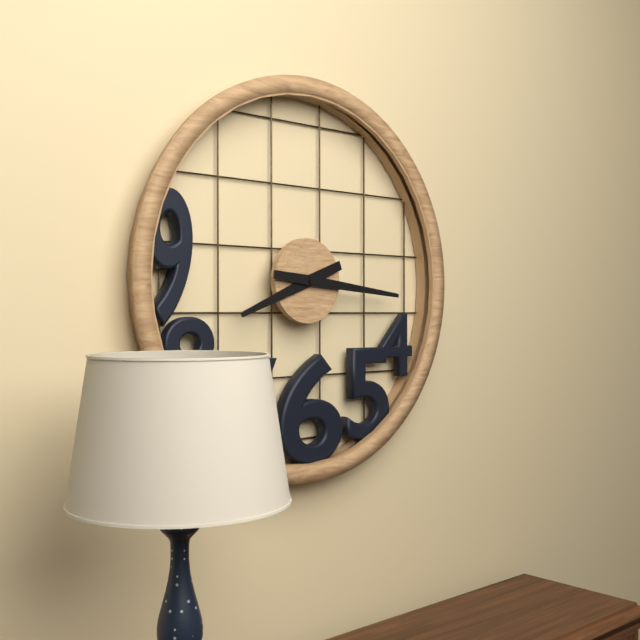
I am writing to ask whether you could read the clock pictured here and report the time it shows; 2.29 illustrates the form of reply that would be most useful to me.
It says 8.16
